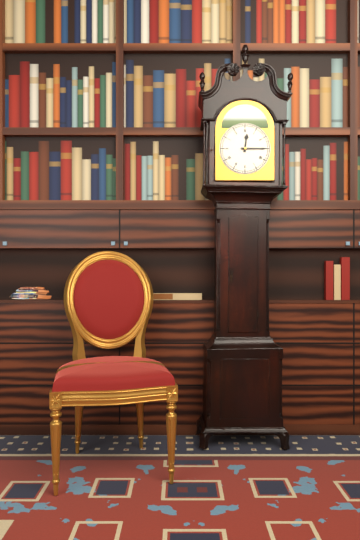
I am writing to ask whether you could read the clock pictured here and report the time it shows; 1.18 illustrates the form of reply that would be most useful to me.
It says 12.15
